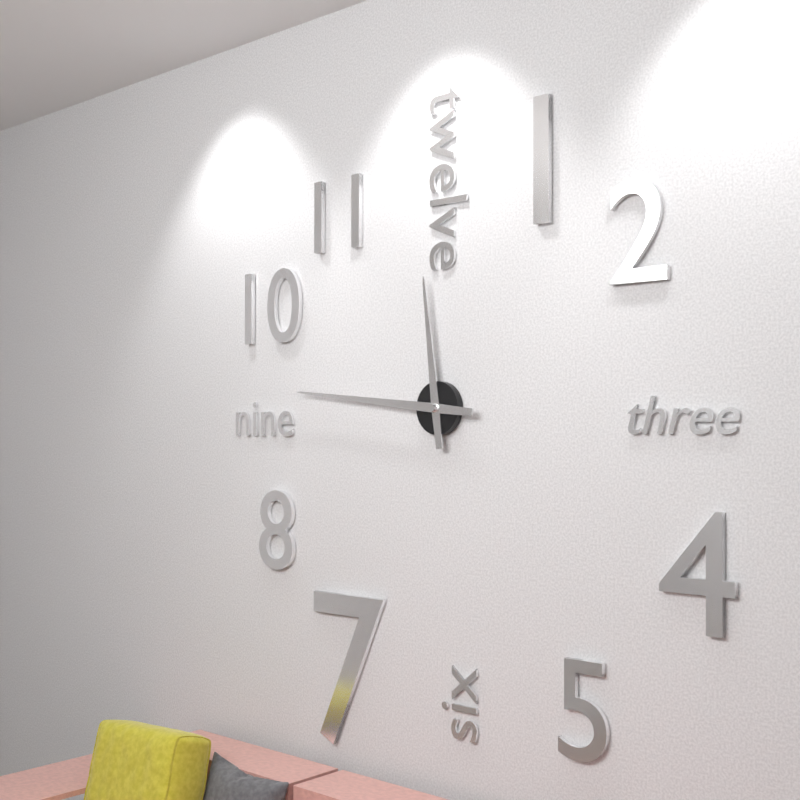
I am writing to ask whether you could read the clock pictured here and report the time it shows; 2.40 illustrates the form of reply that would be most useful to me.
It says 11.46
